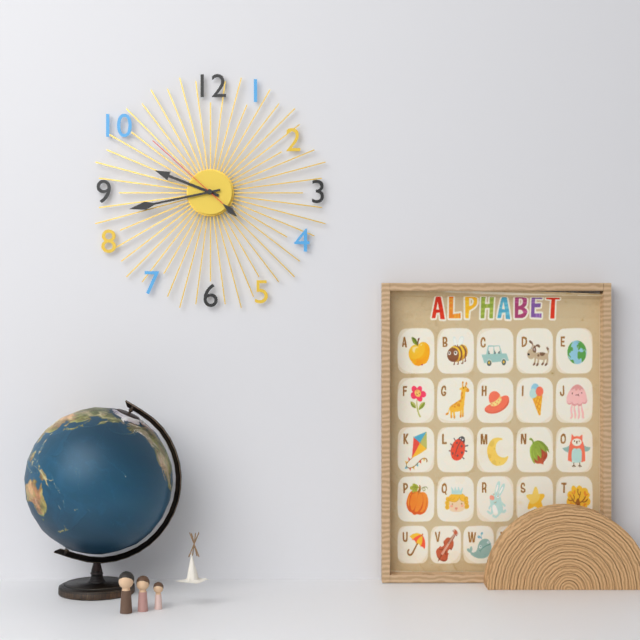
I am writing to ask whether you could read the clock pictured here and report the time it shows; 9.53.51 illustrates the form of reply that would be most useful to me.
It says 9.43.52
